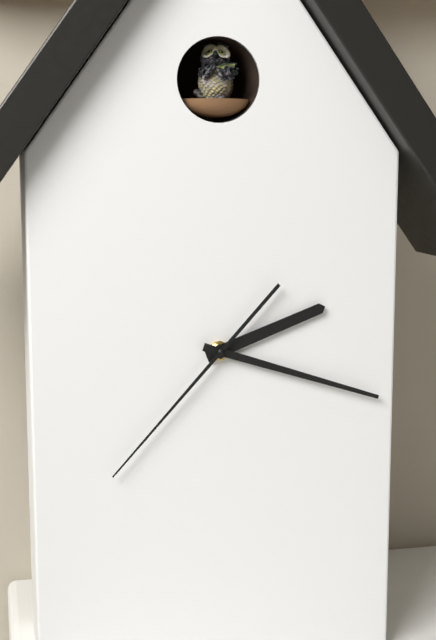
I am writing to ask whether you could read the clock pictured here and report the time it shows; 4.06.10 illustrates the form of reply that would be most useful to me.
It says 2.18.37
